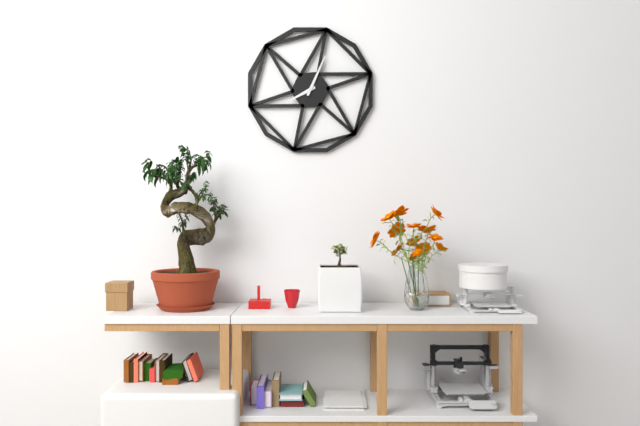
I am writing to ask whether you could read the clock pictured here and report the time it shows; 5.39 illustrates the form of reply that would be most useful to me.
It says 8.04
